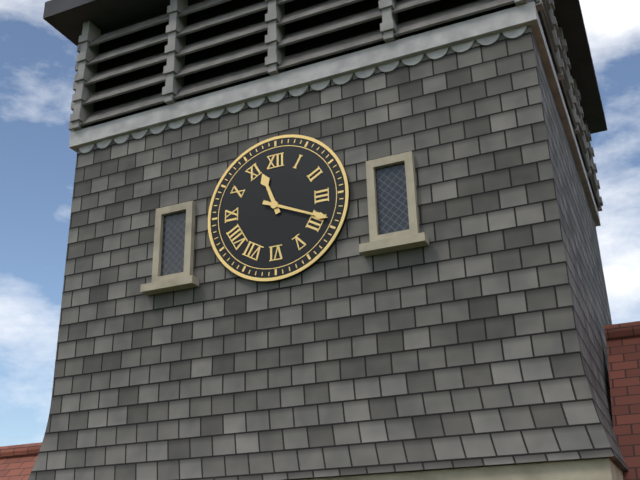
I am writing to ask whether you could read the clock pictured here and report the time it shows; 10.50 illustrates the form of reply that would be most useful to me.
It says 11.19
